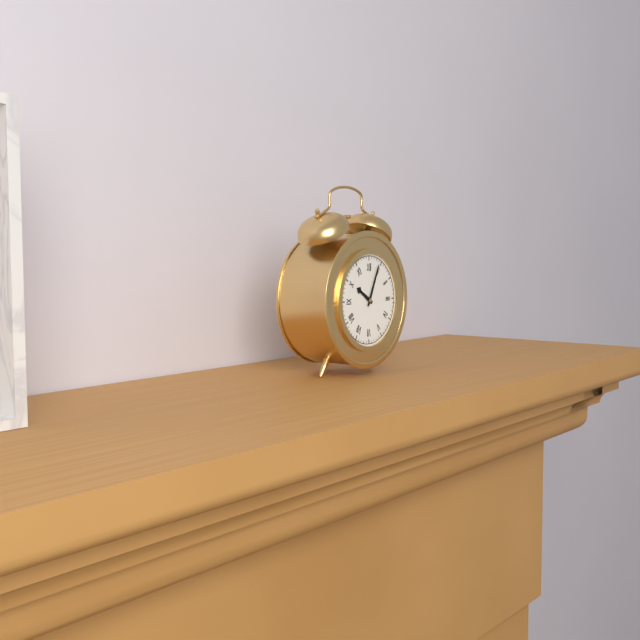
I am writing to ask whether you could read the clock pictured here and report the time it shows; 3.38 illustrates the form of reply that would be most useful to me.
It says 10.04
